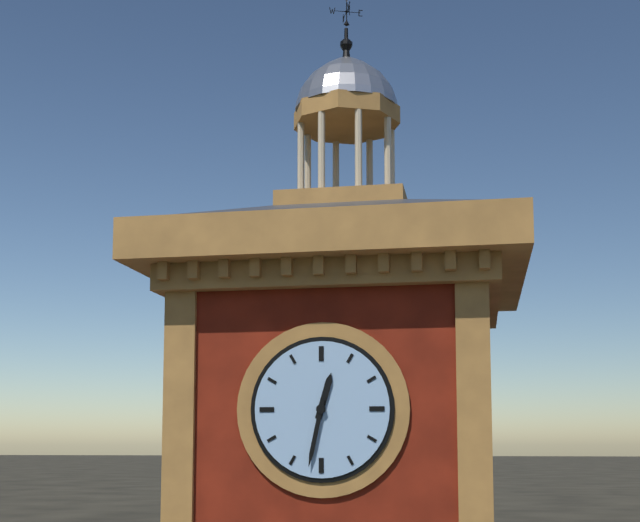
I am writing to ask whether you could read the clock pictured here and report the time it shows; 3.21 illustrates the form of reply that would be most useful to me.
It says 12.32
